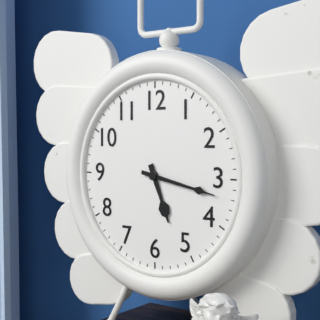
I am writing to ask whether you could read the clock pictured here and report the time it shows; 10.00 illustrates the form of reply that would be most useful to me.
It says 5.17
